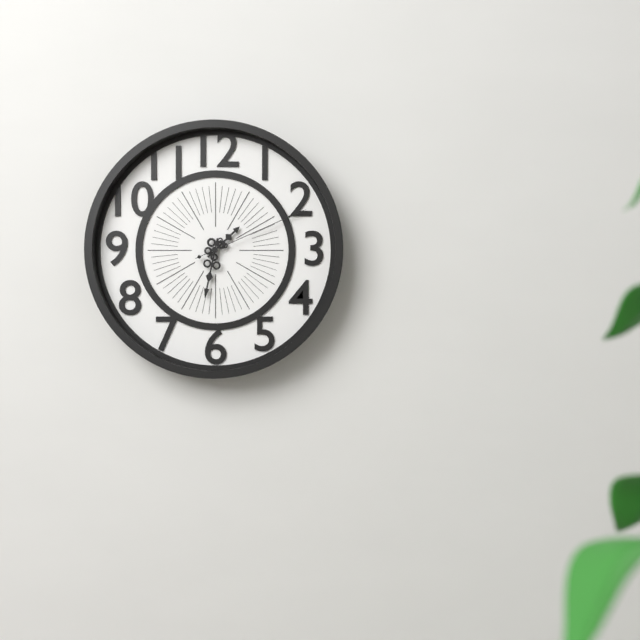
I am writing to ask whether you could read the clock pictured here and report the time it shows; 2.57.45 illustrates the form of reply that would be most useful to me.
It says 1.32.11
